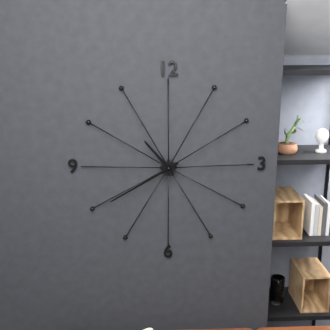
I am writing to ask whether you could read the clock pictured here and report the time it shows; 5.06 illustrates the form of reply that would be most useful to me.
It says 10.40
